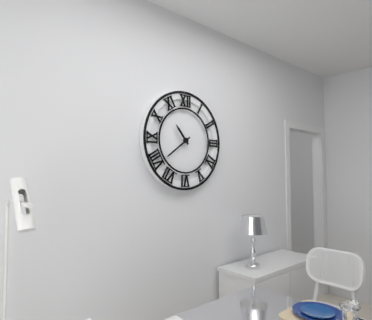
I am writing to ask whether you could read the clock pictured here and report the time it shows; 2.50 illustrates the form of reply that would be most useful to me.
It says 10.39
